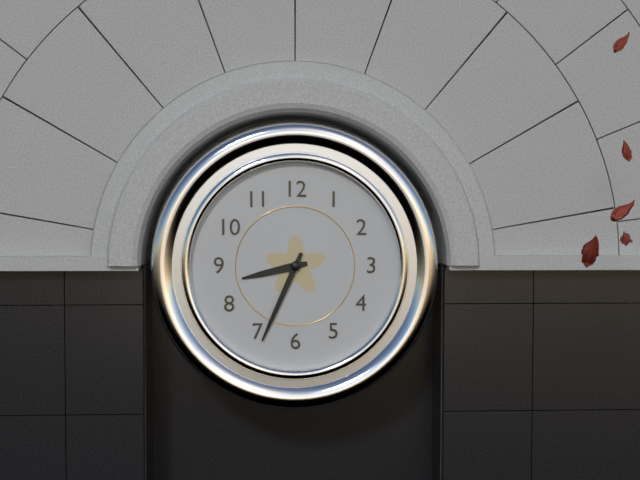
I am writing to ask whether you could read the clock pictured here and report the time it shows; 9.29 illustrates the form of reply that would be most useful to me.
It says 8.34
